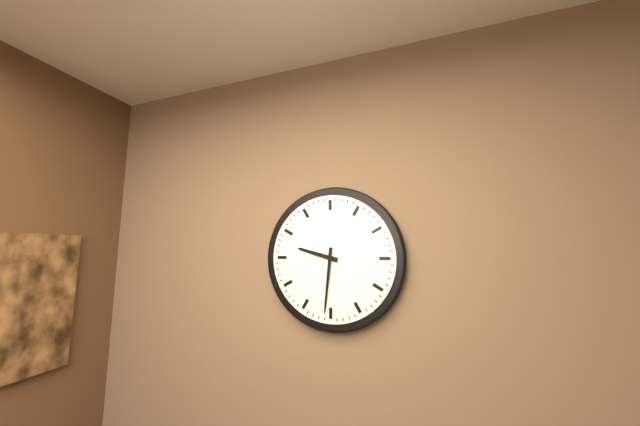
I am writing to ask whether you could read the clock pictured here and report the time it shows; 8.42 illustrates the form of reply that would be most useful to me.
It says 9.31
